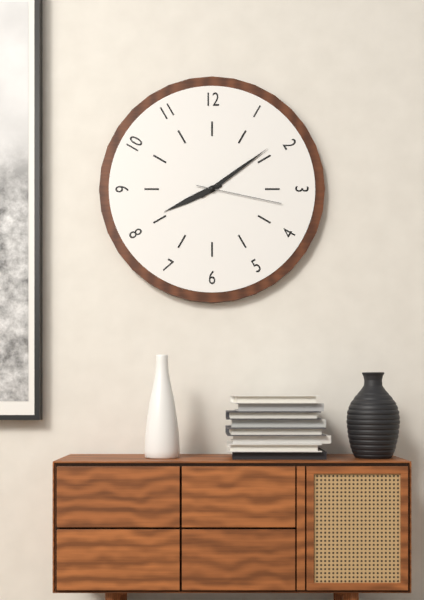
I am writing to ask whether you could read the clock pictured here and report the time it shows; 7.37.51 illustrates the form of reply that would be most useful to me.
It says 8.09.17
